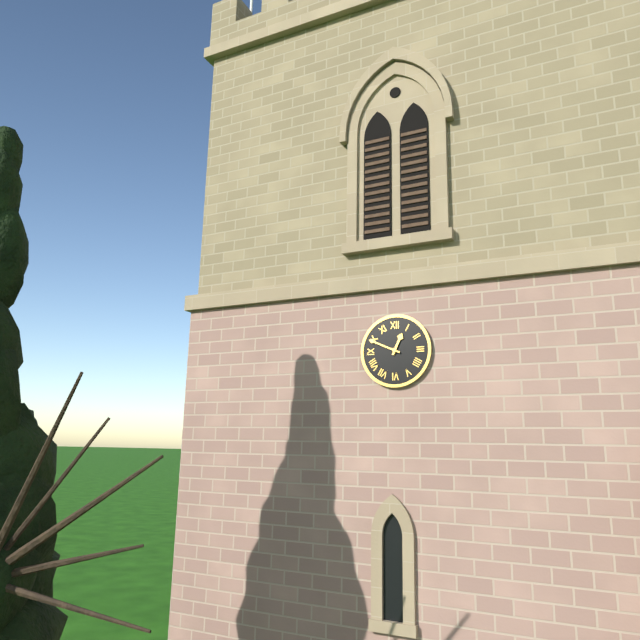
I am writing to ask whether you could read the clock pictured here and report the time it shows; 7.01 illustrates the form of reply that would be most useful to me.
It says 12.49
